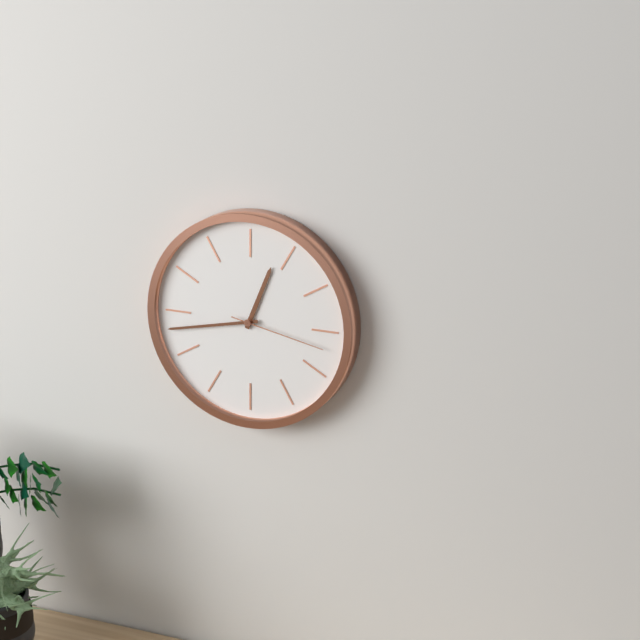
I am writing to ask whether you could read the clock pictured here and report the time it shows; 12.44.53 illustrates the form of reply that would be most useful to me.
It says 12.43.17
